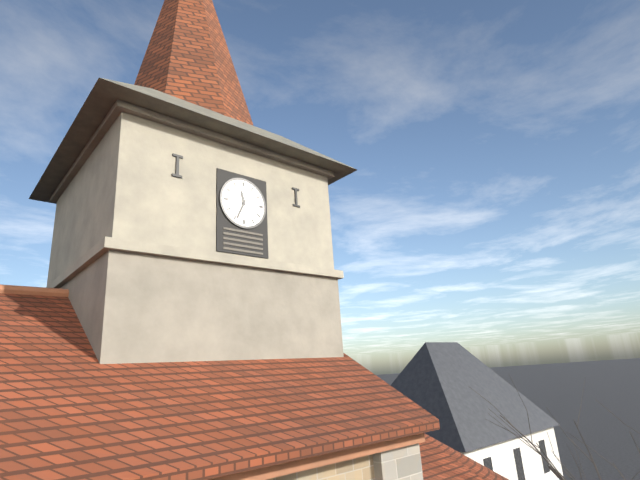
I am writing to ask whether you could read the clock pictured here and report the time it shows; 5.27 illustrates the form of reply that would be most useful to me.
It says 11.34
